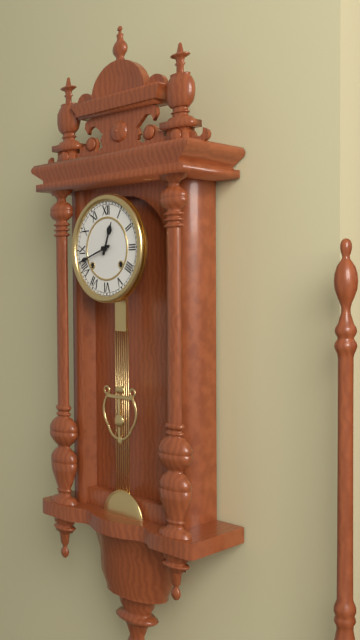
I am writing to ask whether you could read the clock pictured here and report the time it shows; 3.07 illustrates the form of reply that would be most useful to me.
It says 12.42
